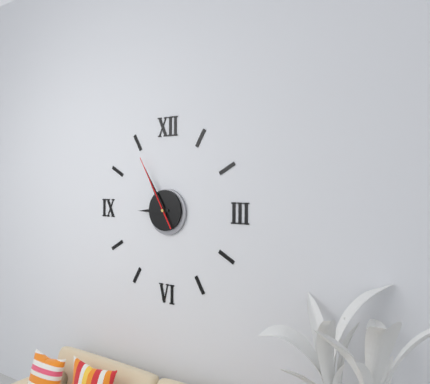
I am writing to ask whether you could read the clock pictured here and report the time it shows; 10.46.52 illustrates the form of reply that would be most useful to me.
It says 8.55.55
